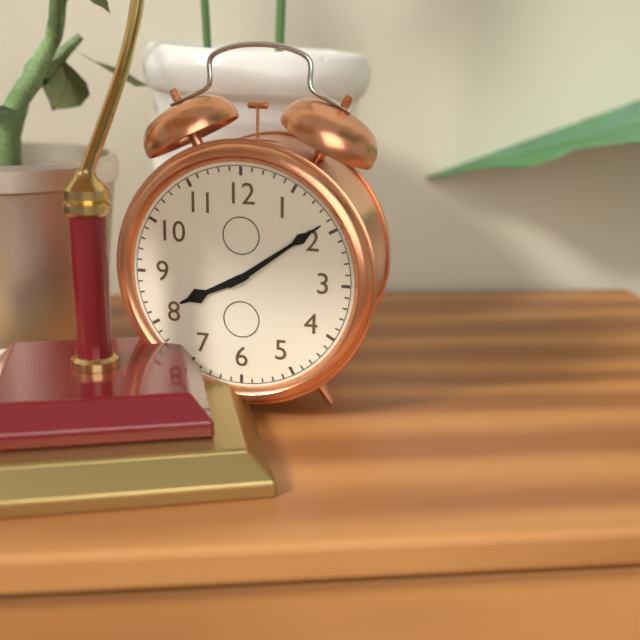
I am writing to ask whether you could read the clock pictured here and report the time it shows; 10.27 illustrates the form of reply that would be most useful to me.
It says 8.09
